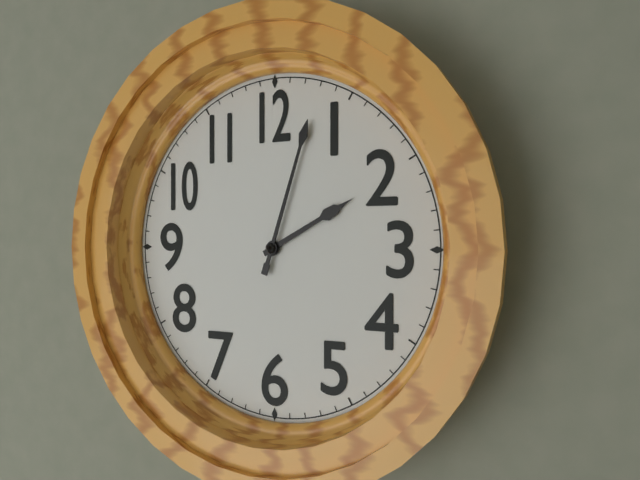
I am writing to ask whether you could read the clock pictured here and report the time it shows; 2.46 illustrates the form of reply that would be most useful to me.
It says 2.03
